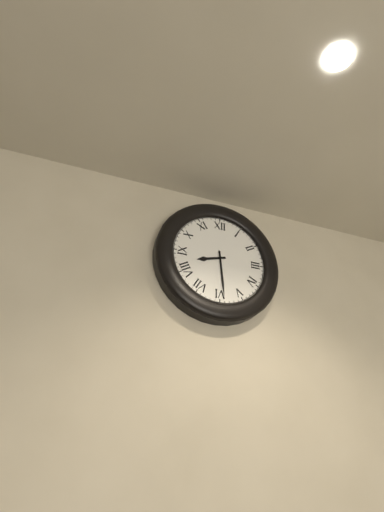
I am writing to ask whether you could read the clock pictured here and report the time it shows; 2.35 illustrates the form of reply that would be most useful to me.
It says 8.29
